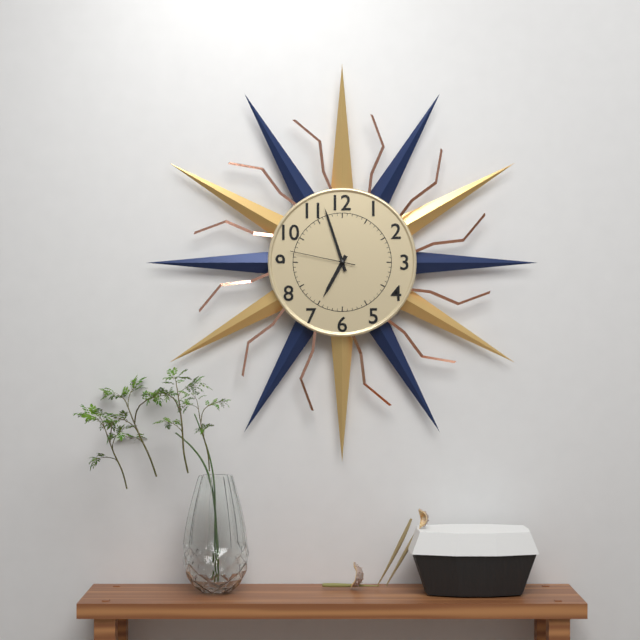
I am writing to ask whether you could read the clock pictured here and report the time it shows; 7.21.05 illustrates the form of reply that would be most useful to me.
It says 6.57.47
